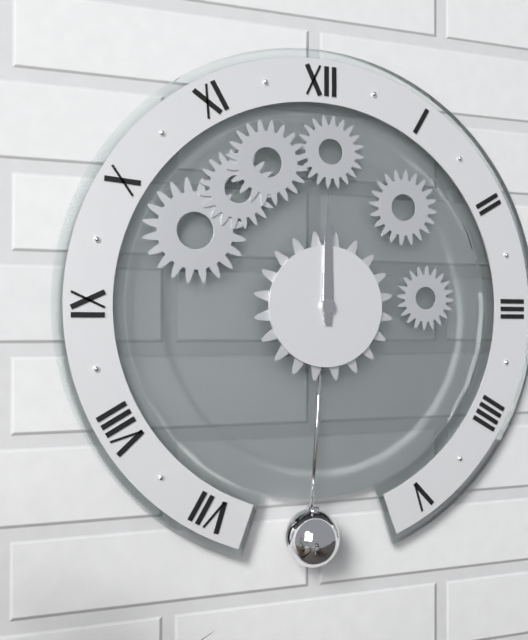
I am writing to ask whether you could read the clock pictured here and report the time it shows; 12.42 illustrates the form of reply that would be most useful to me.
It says 12.00
